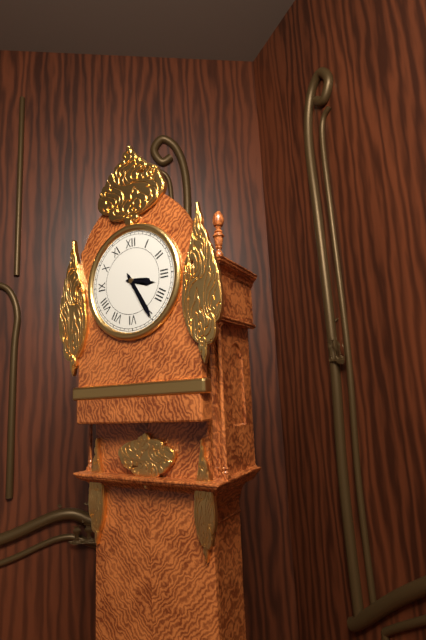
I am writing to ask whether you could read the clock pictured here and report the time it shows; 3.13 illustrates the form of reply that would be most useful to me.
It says 3.25
